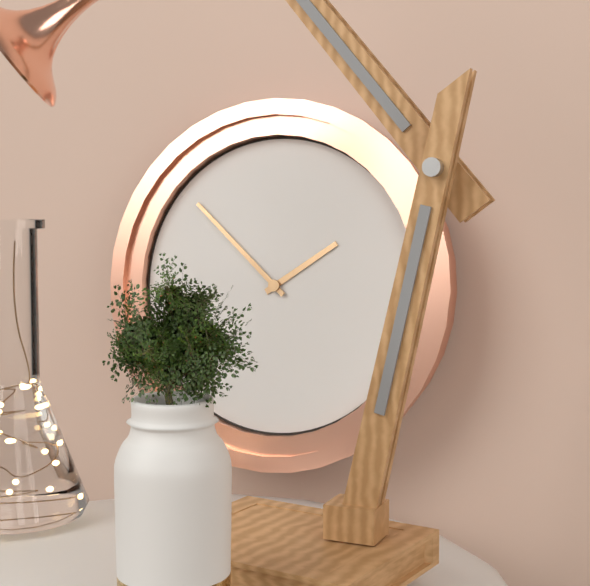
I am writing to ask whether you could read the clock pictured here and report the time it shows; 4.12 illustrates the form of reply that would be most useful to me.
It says 1.52
